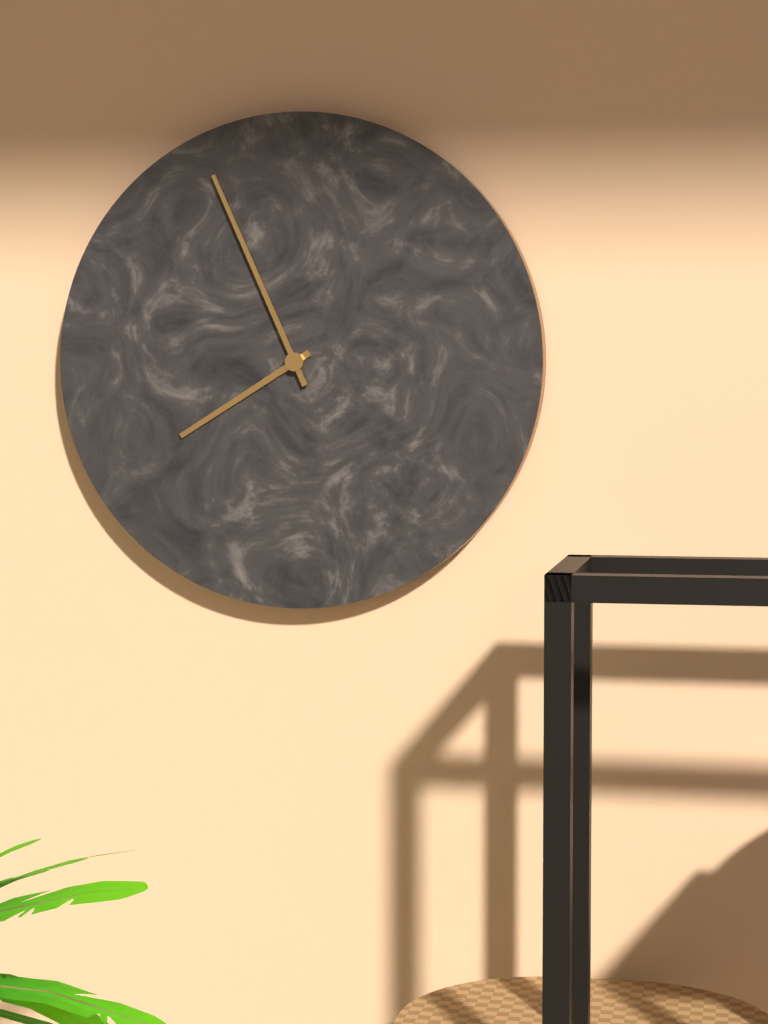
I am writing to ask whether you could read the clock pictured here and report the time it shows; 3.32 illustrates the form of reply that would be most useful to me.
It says 7.56
